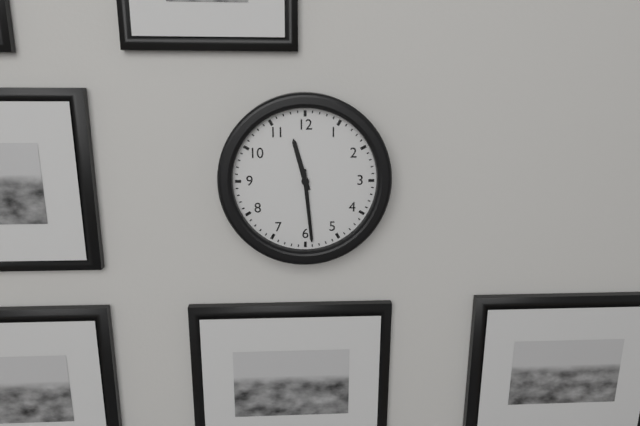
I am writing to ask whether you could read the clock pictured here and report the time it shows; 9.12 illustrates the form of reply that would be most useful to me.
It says 11.29
